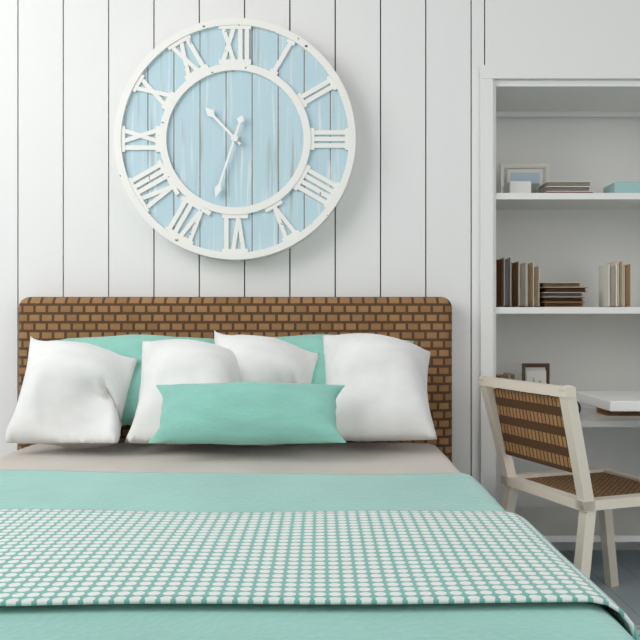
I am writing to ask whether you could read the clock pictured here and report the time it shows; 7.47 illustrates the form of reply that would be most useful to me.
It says 10.33
